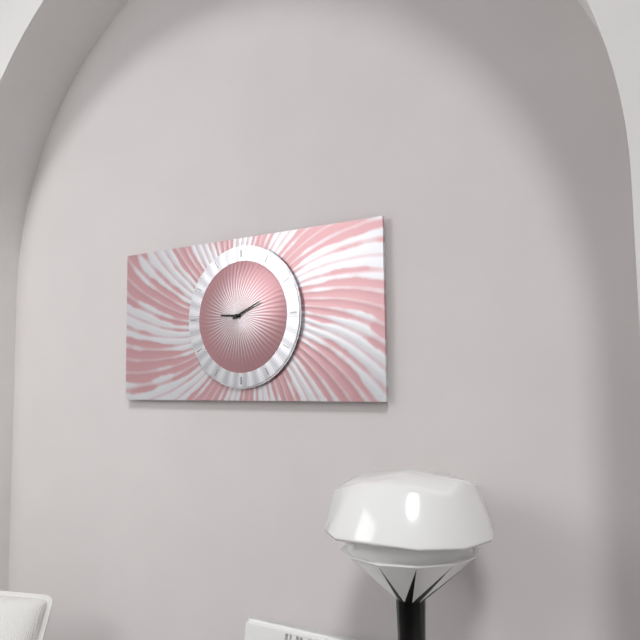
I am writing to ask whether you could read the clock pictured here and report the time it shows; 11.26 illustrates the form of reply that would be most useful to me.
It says 9.11
